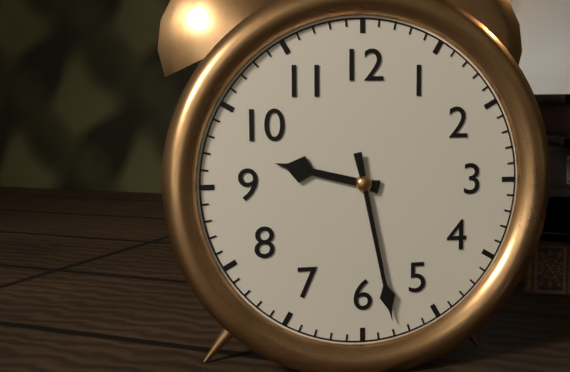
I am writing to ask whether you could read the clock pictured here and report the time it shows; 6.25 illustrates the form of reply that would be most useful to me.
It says 9.28
